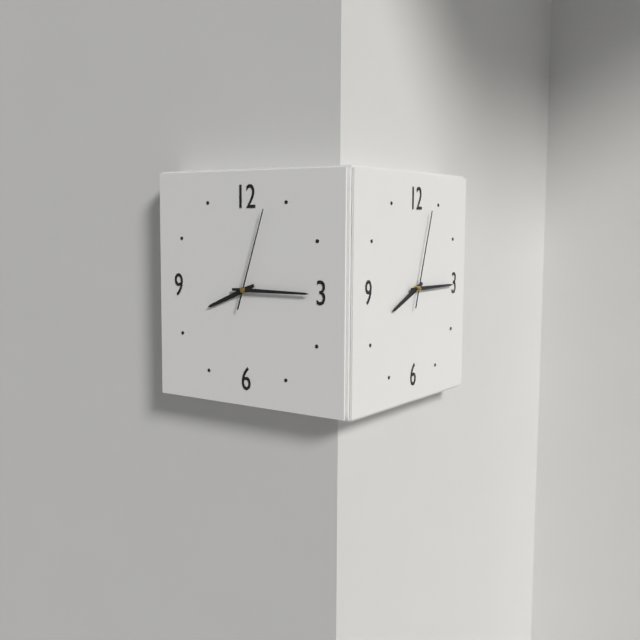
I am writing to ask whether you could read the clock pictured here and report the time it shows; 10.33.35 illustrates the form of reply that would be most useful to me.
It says 8.15.03
